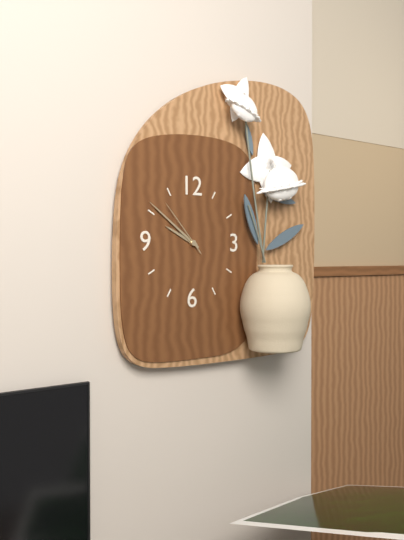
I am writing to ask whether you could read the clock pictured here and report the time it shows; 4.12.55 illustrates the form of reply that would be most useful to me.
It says 9.51.53
